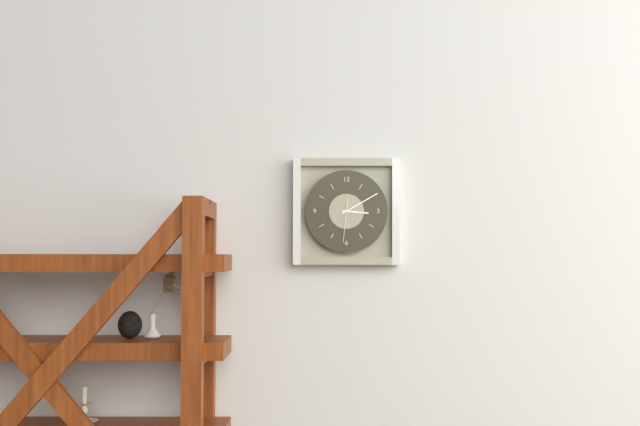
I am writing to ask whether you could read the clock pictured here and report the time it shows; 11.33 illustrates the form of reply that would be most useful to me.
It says 3.10
